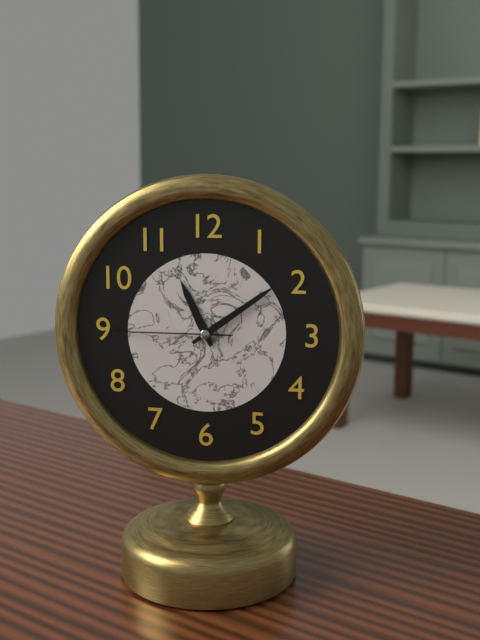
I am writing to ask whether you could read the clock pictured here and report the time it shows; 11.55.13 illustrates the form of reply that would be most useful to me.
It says 11.09.45
